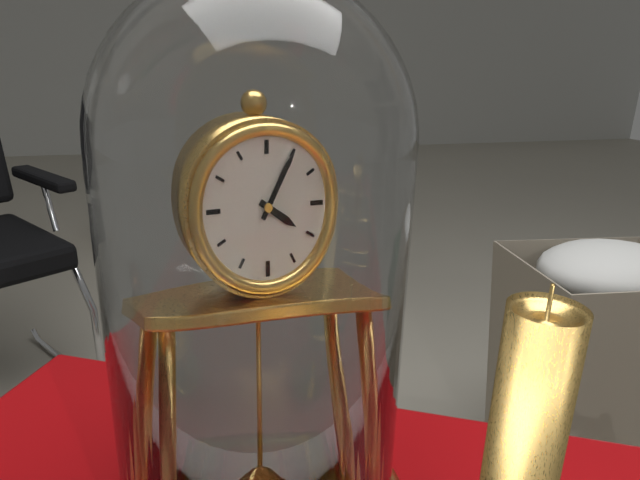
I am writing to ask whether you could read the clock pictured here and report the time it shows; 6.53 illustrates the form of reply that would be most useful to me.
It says 4.05
